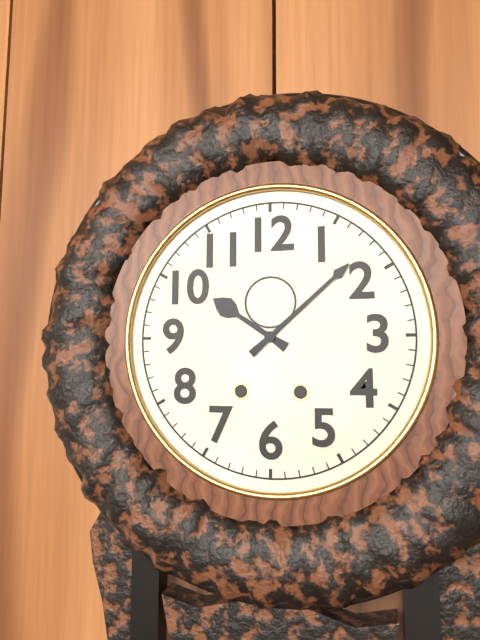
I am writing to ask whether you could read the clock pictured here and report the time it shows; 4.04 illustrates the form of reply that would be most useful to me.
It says 10.08
